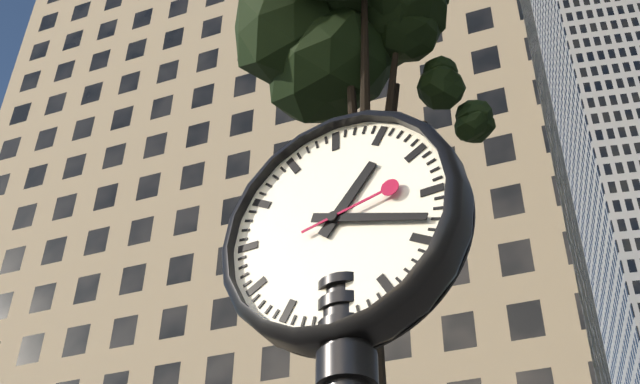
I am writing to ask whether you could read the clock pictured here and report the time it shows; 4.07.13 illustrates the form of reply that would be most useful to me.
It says 1.18.13
